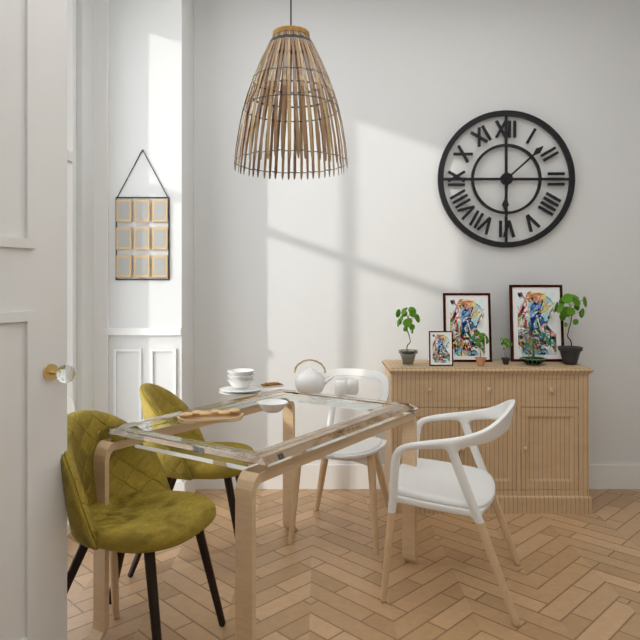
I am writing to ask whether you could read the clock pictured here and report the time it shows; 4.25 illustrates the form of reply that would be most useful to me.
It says 6.08
